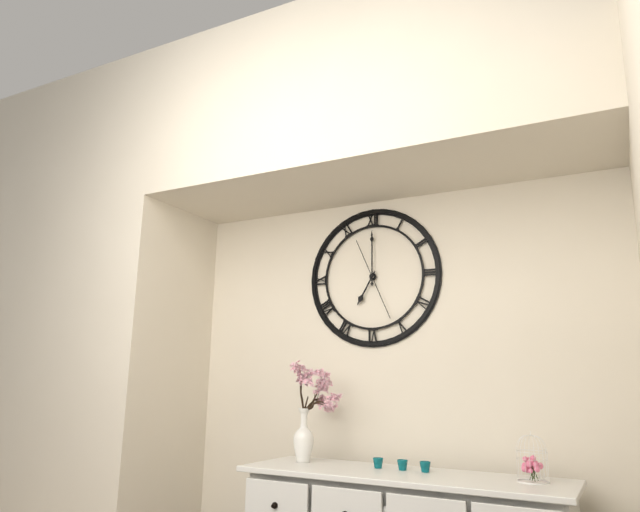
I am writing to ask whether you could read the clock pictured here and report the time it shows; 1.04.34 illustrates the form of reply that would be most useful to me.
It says 7.00.26
